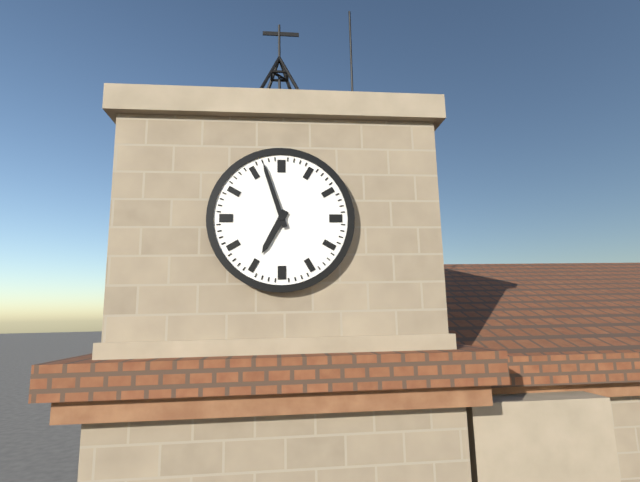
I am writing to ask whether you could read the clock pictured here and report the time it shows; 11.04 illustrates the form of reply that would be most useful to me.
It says 6.57
